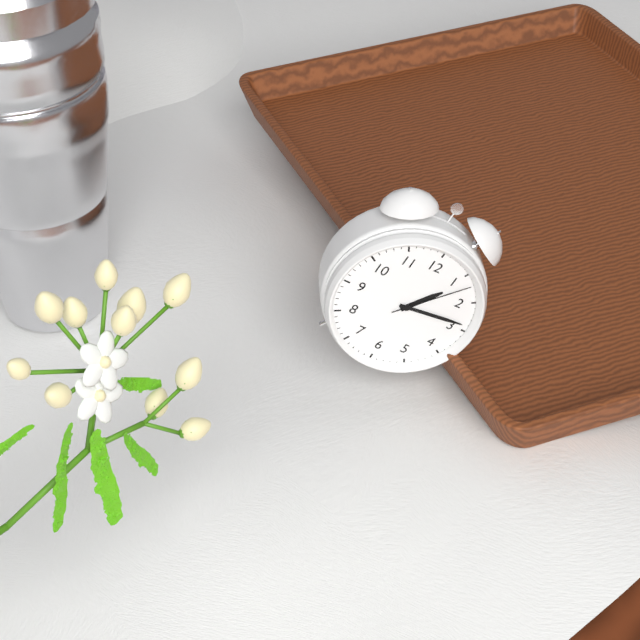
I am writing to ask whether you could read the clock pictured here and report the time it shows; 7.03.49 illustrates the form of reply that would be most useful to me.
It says 1.14.07
